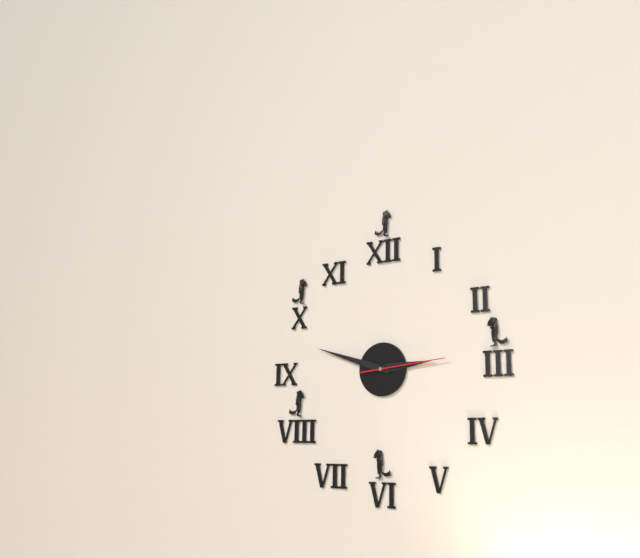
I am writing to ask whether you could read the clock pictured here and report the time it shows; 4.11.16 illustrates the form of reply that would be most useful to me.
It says 2.48.14
